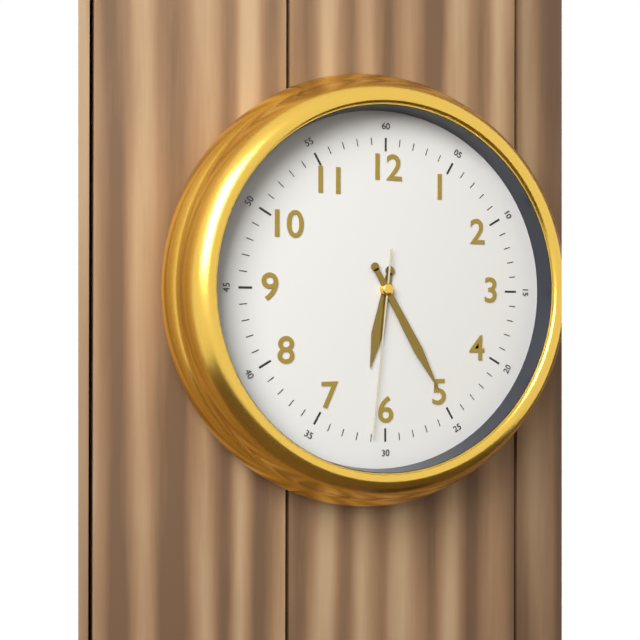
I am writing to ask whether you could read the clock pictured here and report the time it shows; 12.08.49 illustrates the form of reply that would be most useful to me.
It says 6.25.31
